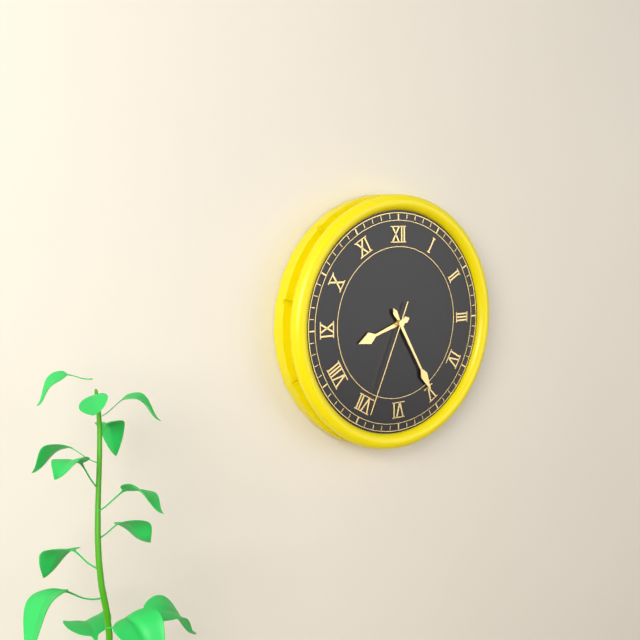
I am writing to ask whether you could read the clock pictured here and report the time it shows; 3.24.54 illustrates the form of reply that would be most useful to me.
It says 8.25.34
